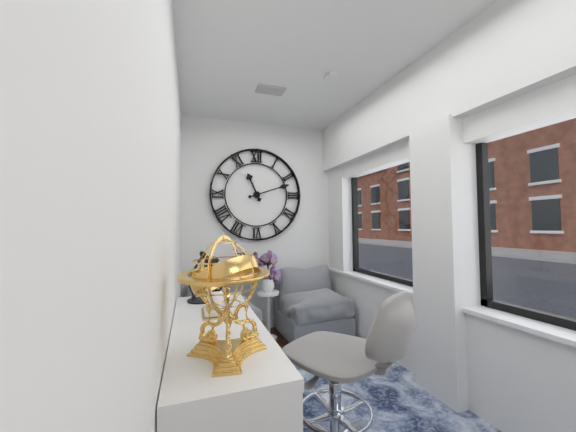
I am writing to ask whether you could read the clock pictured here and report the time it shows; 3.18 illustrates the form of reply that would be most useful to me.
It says 11.12
